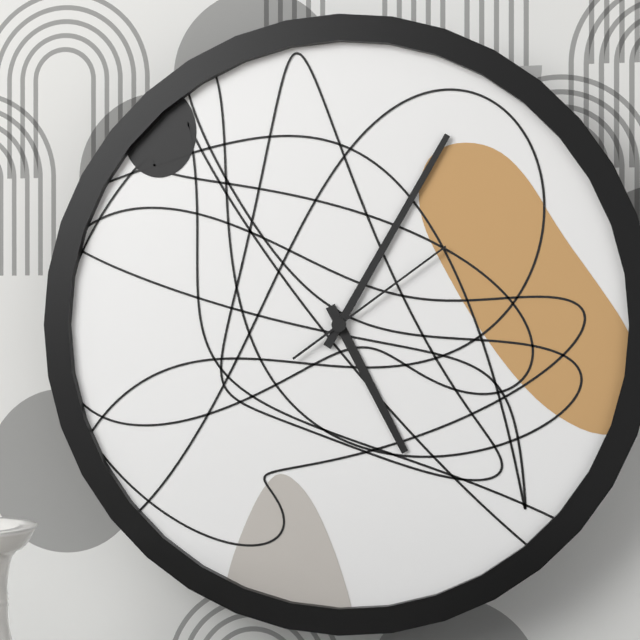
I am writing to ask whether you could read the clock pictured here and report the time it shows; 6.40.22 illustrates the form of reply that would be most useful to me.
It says 5.05.09
